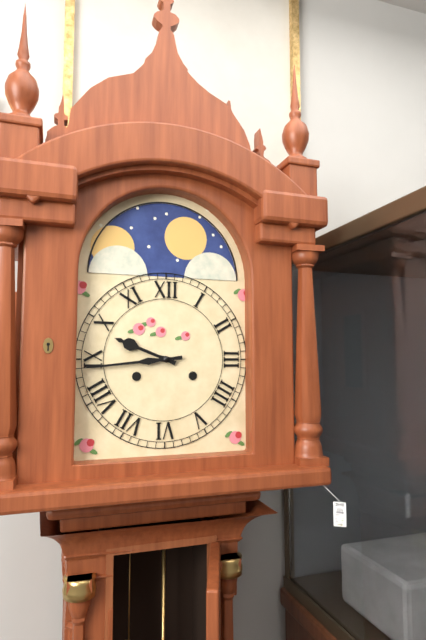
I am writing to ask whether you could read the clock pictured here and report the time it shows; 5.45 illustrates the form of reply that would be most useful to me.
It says 9.44
